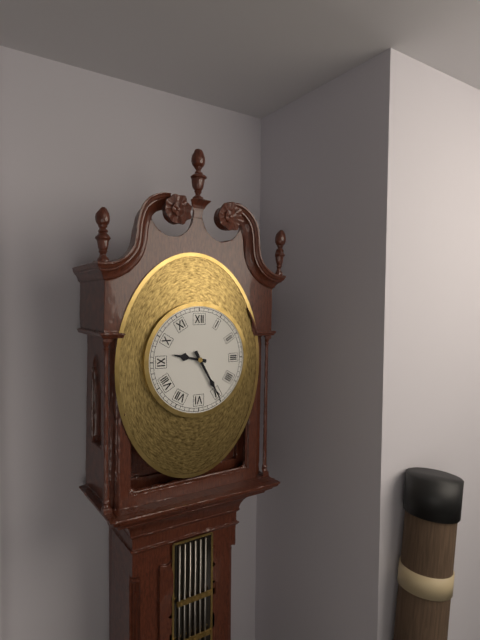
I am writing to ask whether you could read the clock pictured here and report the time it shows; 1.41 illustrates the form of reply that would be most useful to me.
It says 9.25
